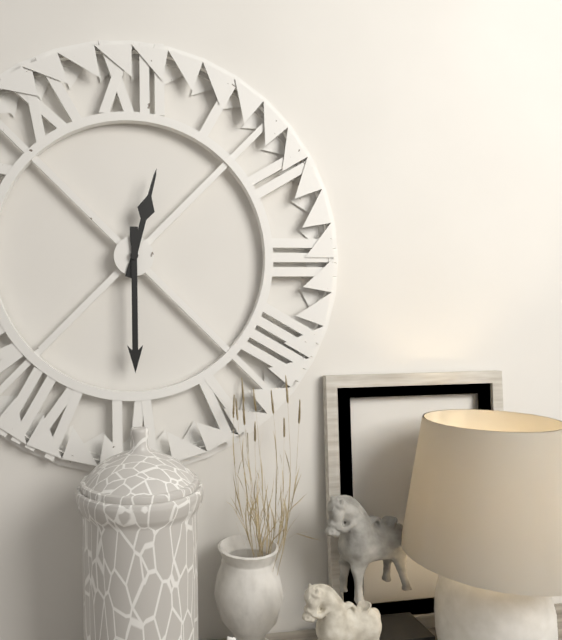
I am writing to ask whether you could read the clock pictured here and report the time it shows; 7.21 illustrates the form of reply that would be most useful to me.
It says 12.30
